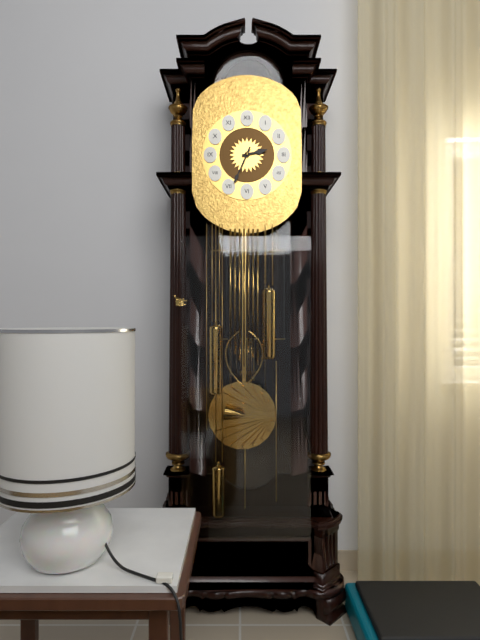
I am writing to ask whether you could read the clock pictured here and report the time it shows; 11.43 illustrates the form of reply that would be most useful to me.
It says 2.34
